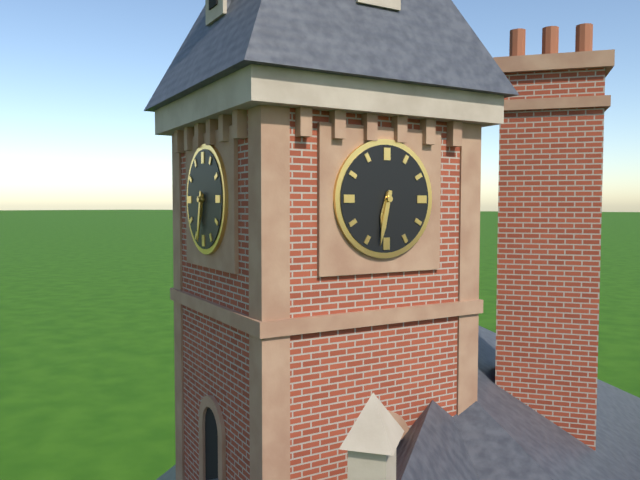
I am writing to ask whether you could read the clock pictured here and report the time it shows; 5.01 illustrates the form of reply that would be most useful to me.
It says 6.32
